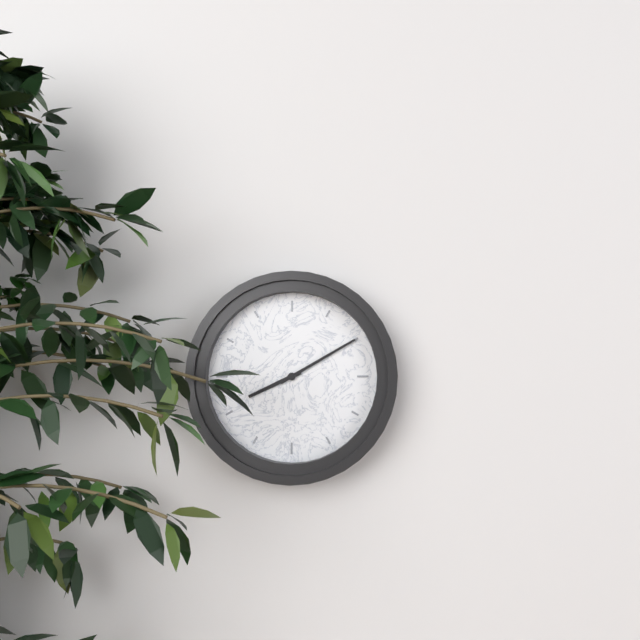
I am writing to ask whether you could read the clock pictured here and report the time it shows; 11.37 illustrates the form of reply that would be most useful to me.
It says 8.10
